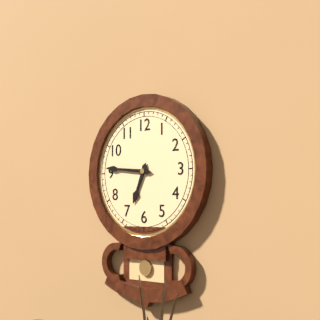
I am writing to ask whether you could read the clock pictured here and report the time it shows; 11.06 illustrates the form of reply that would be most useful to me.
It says 6.46
